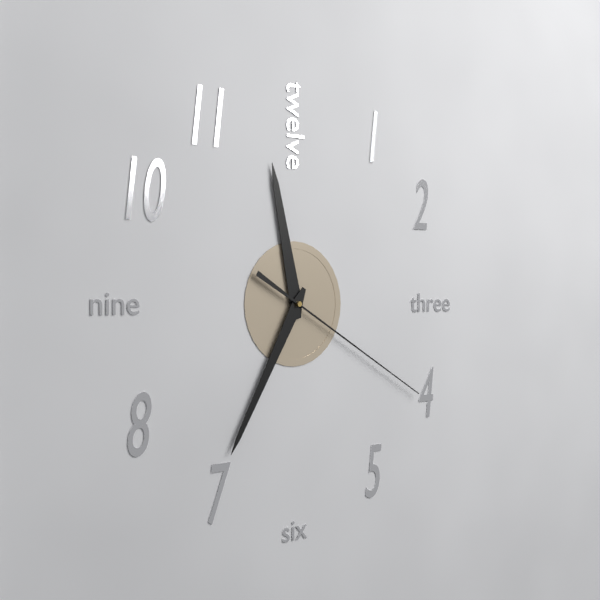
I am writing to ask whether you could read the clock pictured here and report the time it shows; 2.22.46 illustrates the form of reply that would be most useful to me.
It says 11.35.20
